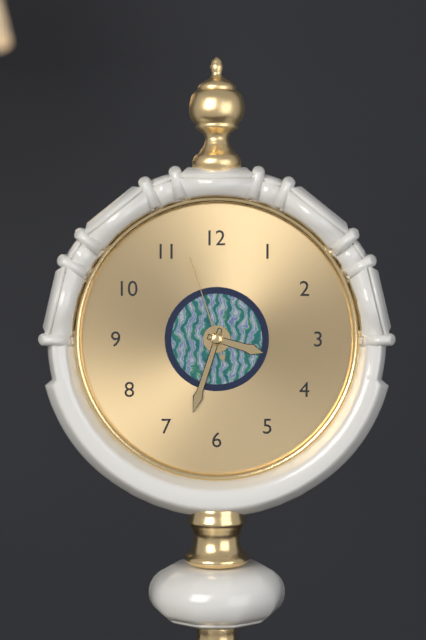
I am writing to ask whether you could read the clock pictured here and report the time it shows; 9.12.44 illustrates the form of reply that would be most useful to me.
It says 3.33.57
